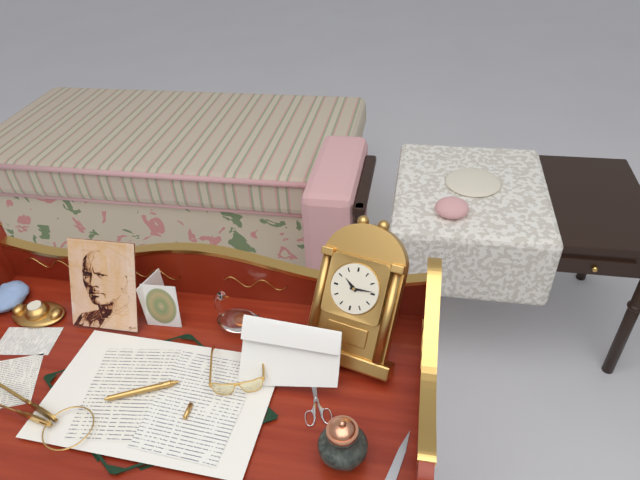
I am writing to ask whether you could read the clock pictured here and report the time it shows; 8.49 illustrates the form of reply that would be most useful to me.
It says 10.14
